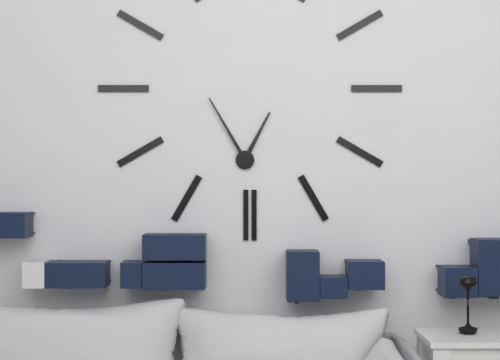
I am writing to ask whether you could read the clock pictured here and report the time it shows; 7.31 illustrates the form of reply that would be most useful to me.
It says 12.55
